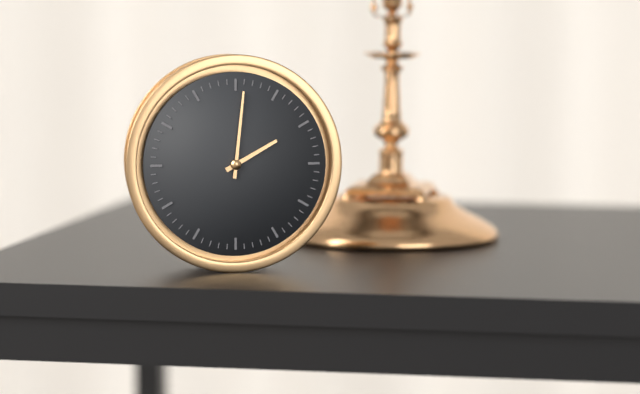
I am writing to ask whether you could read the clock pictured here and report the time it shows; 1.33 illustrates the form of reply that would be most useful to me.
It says 2.01
